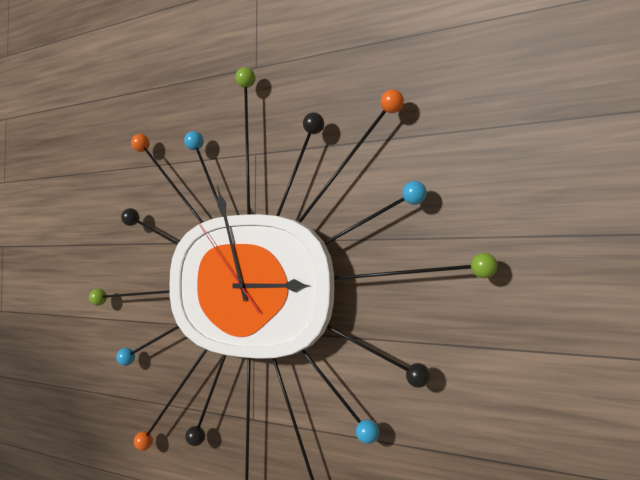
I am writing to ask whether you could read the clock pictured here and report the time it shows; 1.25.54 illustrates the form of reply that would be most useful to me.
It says 2.57.53
